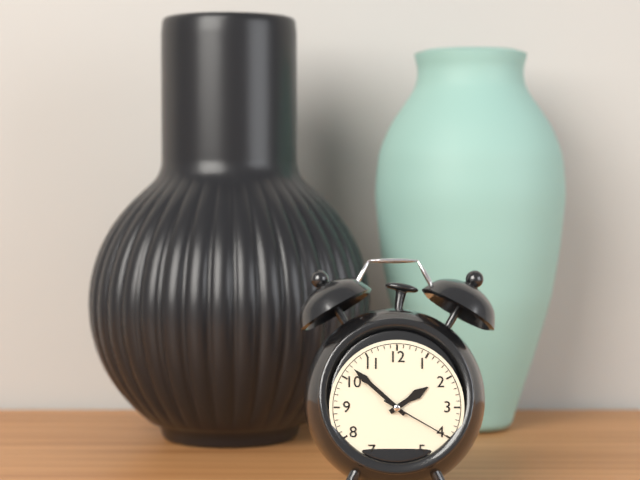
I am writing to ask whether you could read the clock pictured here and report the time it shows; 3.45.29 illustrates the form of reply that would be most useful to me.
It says 1.52.20
